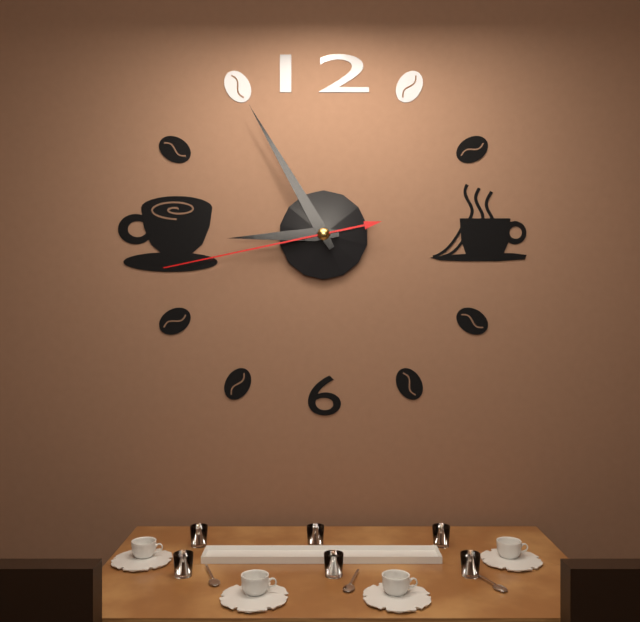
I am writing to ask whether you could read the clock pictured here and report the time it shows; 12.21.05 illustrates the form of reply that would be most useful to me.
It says 8.55.43
